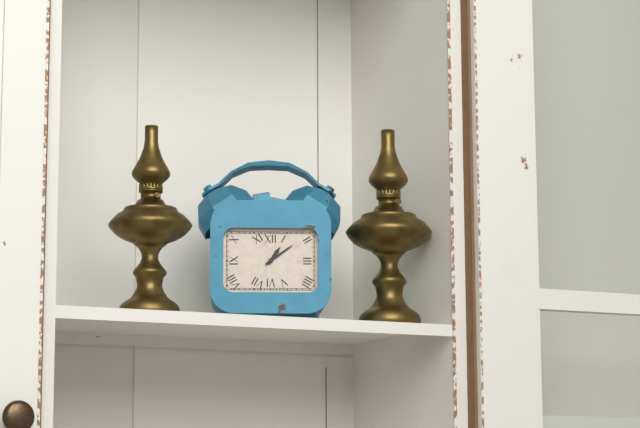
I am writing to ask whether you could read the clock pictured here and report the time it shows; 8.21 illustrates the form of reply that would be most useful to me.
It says 1.09
